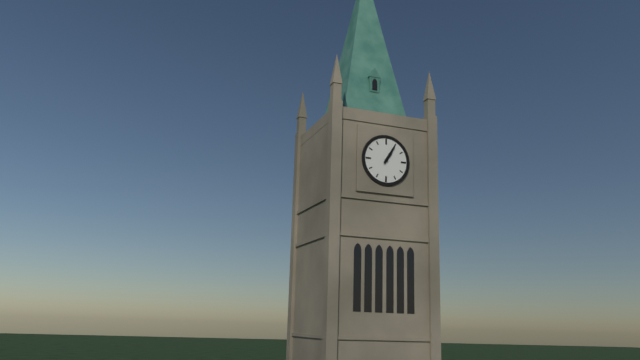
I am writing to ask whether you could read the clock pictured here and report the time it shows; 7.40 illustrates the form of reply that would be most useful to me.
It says 1.05
